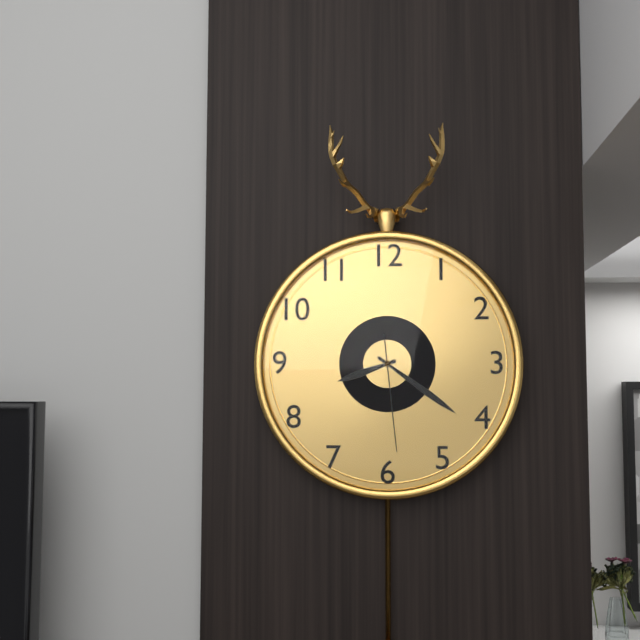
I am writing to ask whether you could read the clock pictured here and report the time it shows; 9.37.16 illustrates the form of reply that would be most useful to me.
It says 8.21.29
